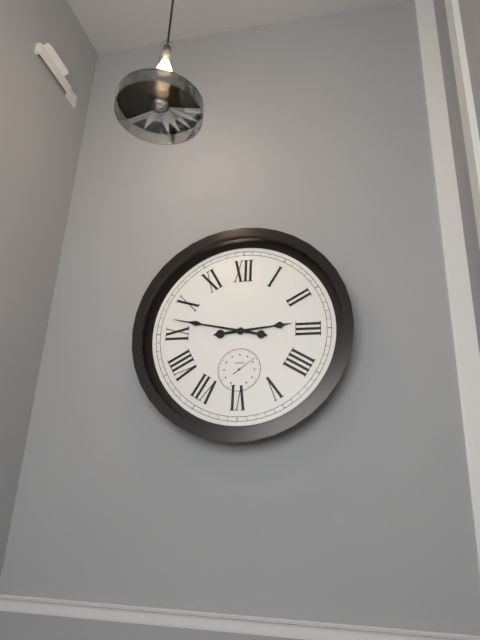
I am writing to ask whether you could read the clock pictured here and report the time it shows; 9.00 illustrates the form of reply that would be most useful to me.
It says 2.47
